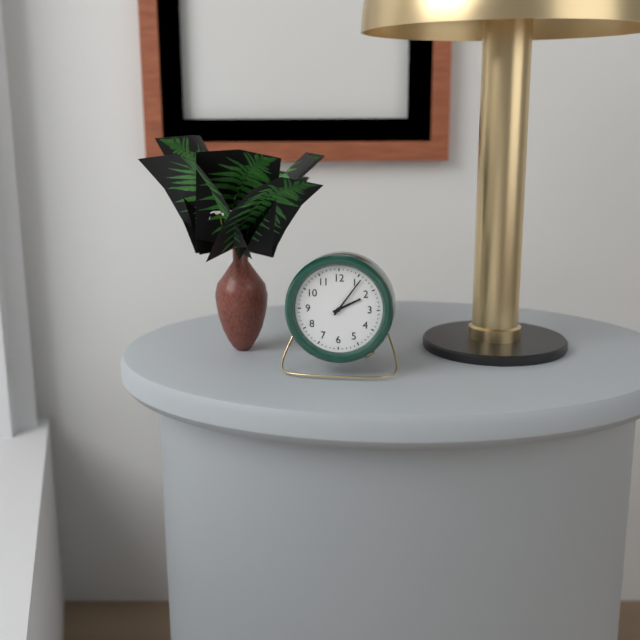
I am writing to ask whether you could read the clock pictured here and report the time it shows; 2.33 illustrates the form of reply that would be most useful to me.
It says 2.06
